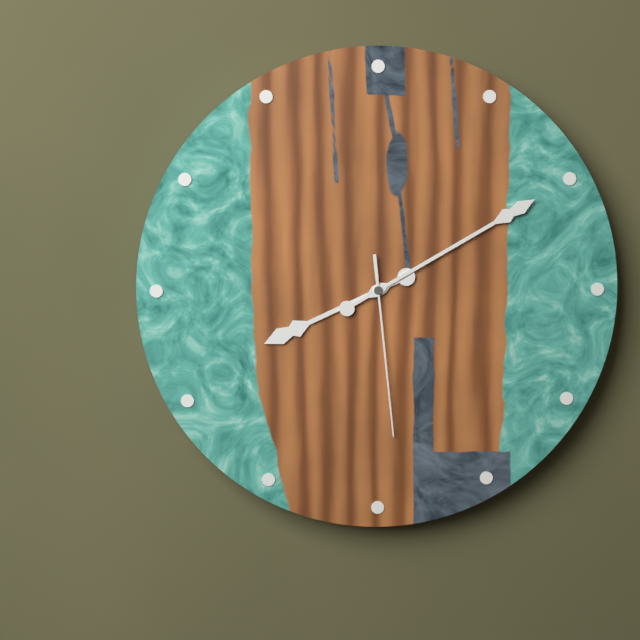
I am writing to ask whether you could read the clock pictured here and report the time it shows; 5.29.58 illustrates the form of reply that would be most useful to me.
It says 8.10.29
